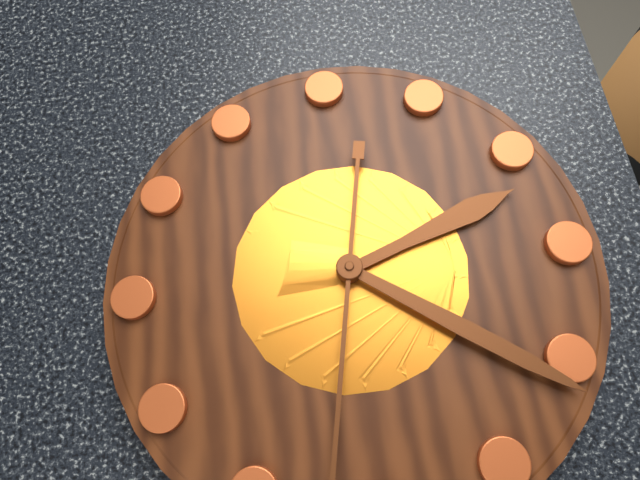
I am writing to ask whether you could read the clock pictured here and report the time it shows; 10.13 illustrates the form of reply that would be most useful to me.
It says 2.21
